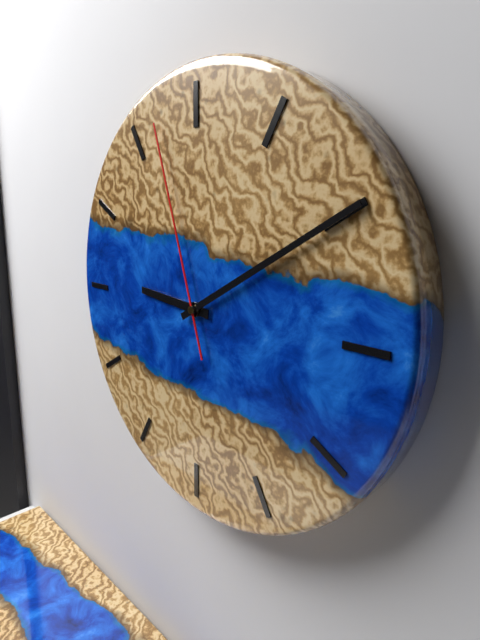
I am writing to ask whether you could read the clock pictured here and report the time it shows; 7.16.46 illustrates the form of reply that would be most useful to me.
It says 9.10.57
